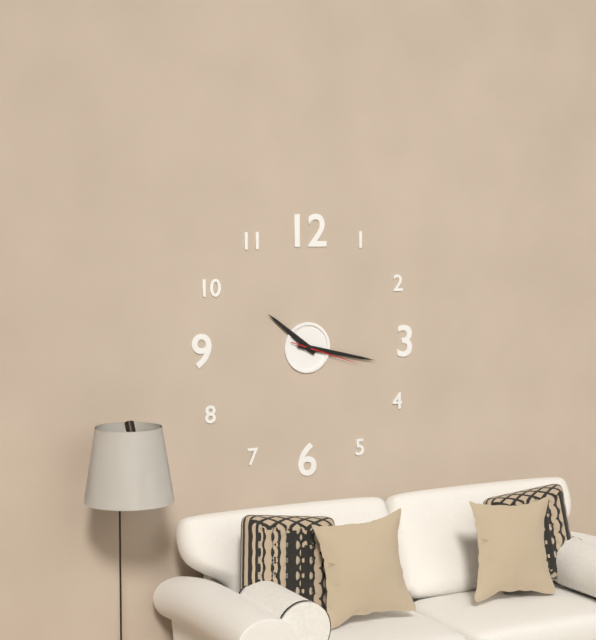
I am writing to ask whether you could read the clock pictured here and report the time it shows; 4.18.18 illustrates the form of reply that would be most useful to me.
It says 10.17.18
